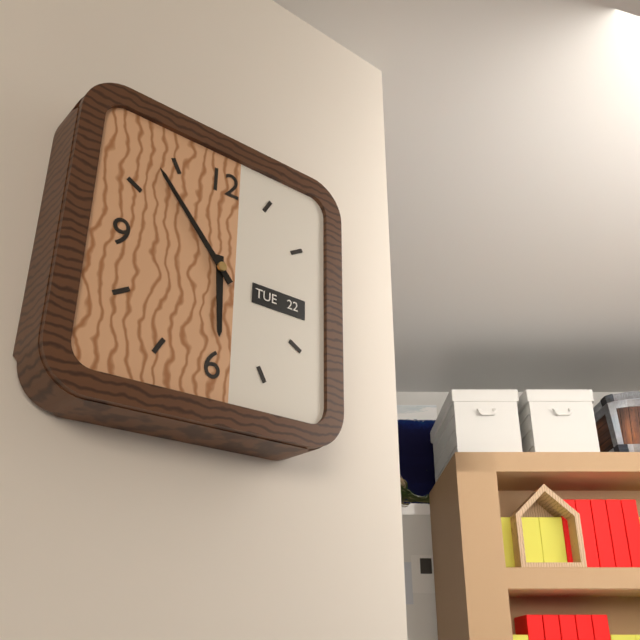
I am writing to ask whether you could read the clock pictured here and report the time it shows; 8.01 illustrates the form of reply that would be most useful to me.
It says 5.53
